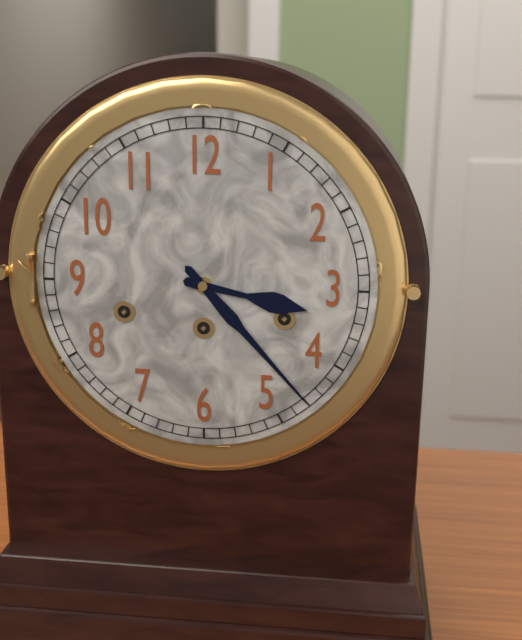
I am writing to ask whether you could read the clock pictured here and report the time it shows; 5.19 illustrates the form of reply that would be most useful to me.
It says 3.23
